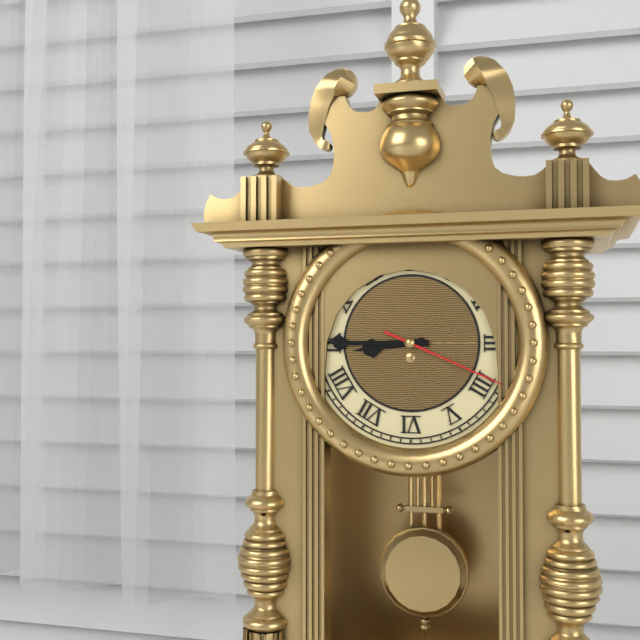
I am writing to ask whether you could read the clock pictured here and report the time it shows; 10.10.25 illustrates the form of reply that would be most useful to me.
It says 8.45.19
